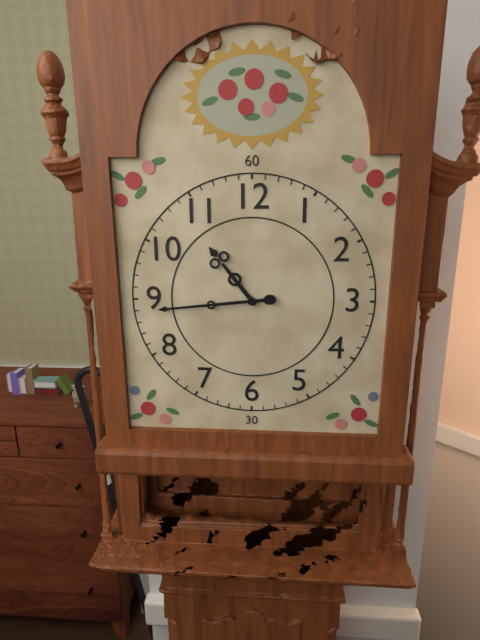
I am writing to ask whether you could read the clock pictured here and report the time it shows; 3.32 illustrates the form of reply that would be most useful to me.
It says 10.44
